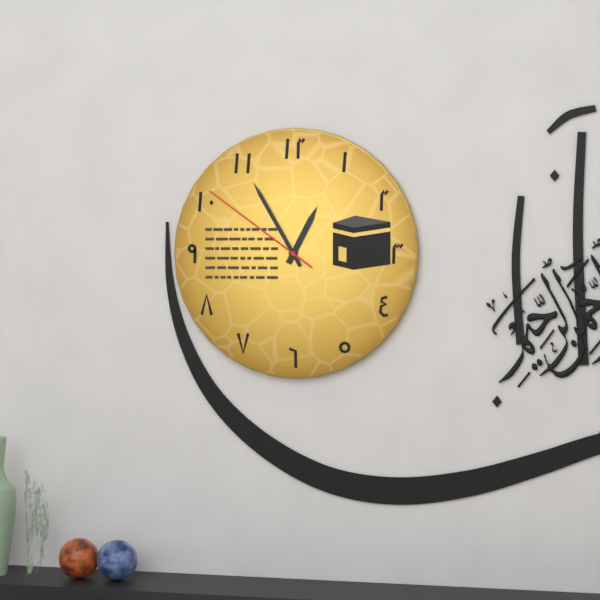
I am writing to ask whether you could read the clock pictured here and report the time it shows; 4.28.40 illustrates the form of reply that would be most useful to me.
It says 12.55.51
